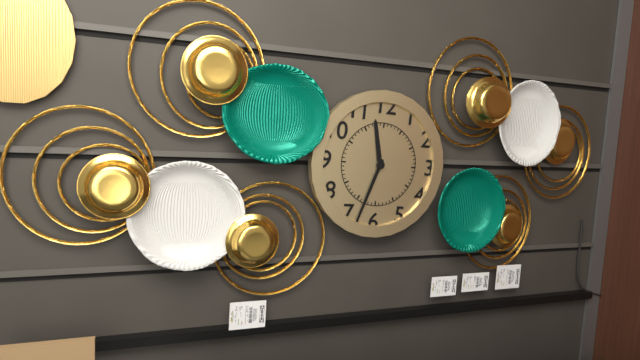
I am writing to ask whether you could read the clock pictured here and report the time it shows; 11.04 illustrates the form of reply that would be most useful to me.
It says 11.33
